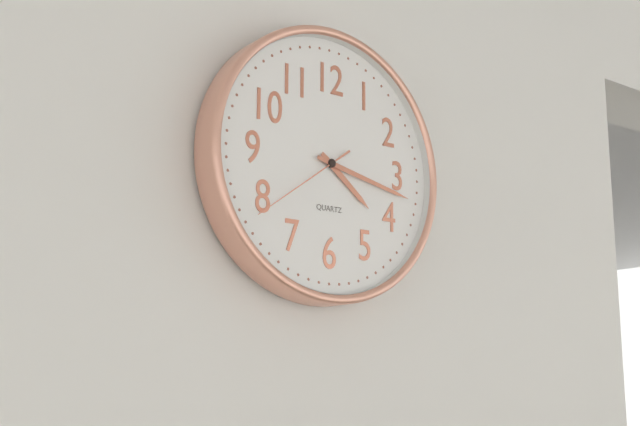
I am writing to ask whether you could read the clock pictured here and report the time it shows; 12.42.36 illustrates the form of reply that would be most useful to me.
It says 4.17.39
